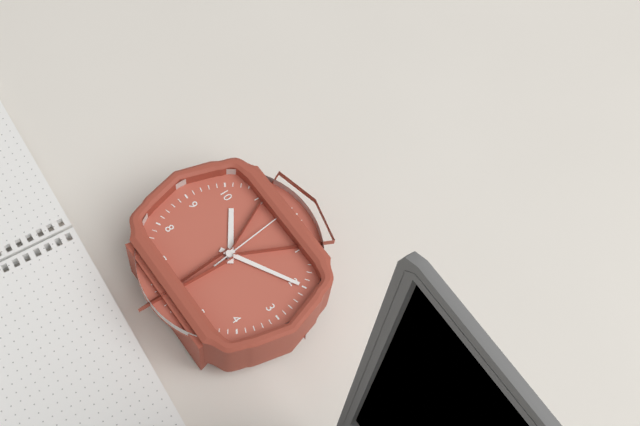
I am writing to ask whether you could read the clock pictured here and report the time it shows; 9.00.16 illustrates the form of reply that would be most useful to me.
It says 10.10.59
